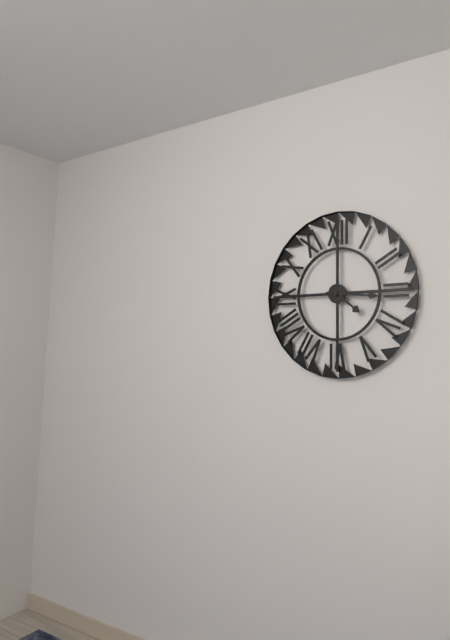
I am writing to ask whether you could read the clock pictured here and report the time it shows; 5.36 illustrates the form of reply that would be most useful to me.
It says 4.16
